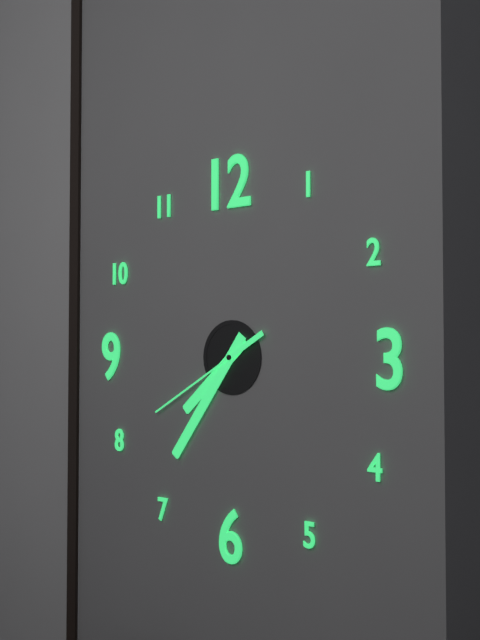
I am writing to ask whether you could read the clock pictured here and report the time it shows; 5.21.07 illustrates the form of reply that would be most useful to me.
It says 7.36.40
